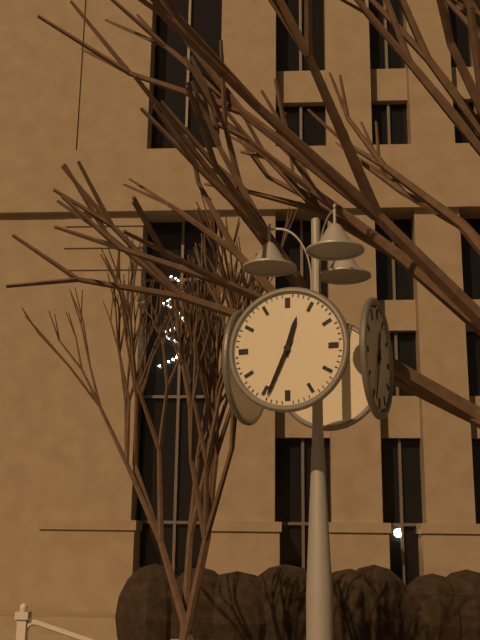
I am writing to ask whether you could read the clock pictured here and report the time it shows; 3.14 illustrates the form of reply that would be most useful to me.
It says 12.34
